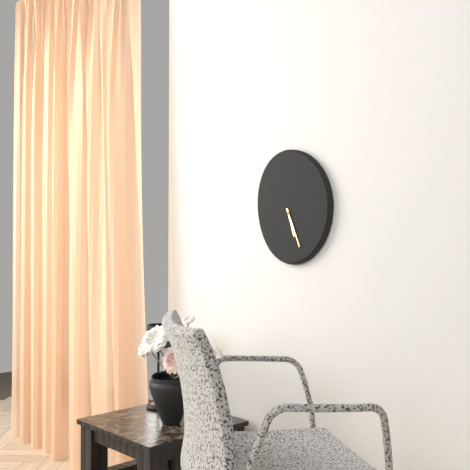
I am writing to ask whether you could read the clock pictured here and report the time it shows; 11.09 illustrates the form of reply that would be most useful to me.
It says 5.26
